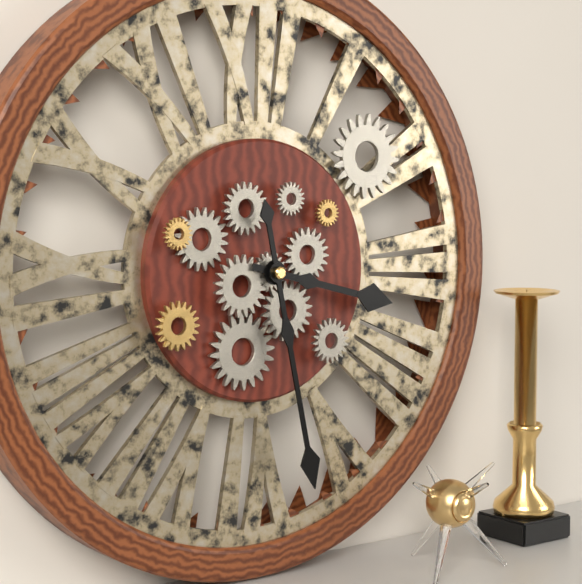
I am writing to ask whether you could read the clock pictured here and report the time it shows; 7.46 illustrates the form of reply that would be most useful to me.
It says 3.28
